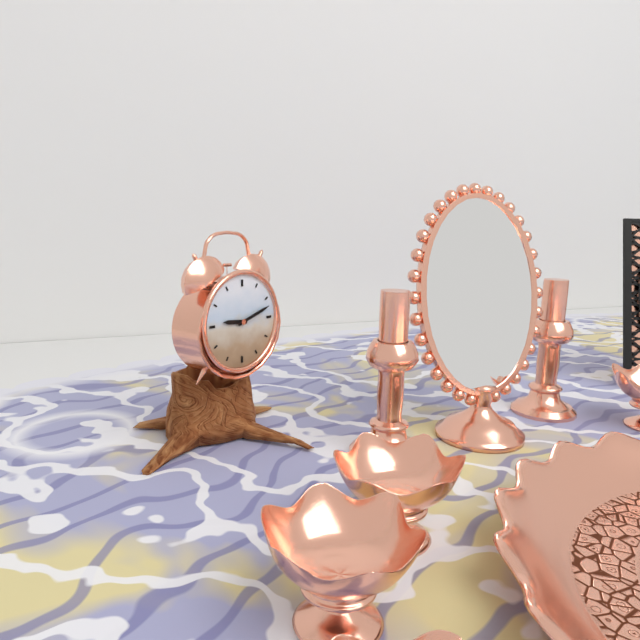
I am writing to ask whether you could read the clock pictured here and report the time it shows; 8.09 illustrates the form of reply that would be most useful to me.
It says 9.12
